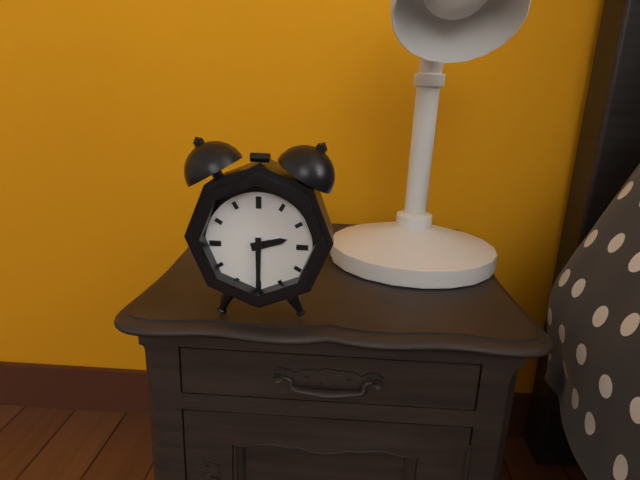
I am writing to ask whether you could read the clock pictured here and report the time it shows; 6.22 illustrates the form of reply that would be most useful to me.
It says 2.30
